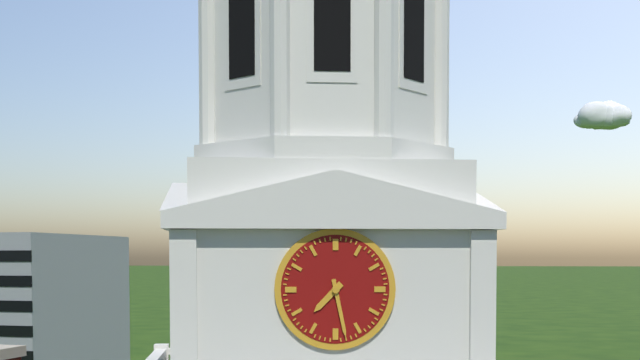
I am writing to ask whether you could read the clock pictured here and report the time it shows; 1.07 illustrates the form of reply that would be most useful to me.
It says 7.28
